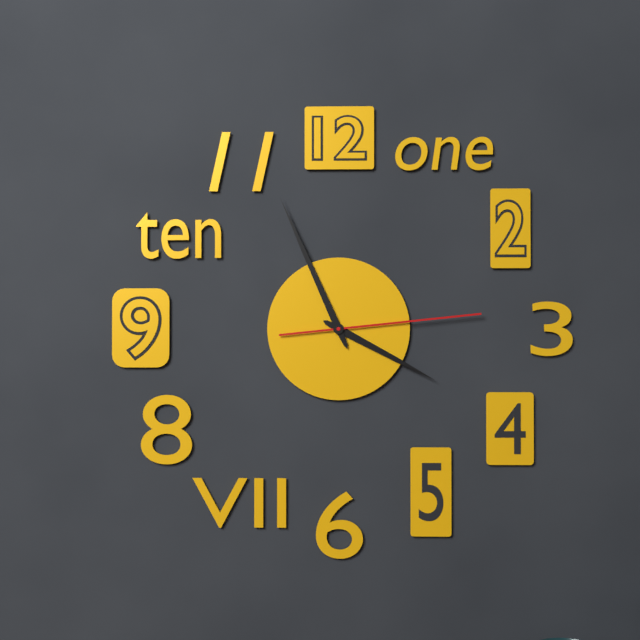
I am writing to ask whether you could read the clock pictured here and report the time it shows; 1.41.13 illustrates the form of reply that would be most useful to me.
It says 3.56.14
